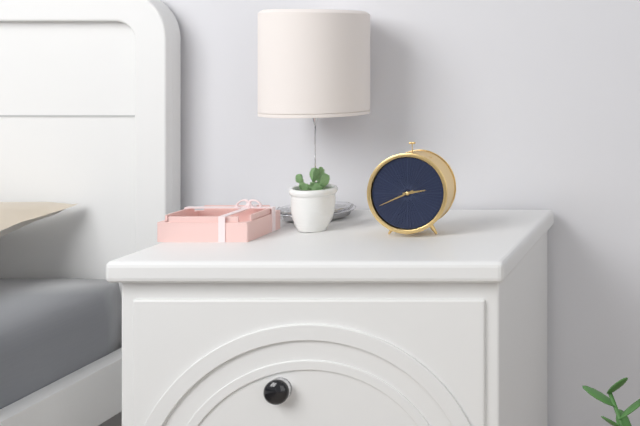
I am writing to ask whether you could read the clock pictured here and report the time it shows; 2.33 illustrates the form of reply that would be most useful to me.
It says 2.41
